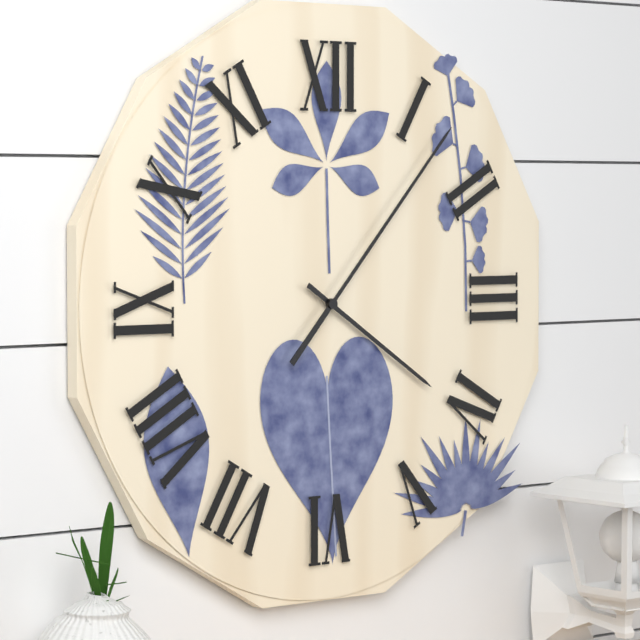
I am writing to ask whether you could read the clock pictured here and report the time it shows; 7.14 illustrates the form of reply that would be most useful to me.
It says 4.07
